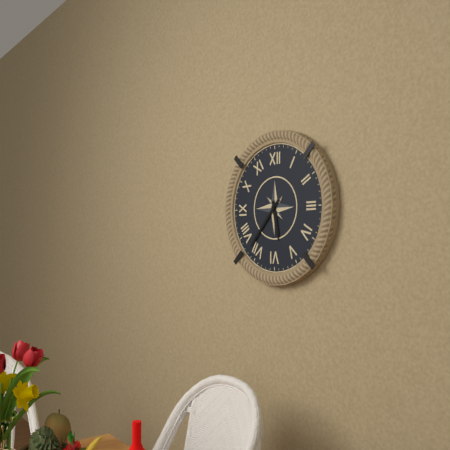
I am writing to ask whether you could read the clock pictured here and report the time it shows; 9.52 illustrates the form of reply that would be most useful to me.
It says 5.37
